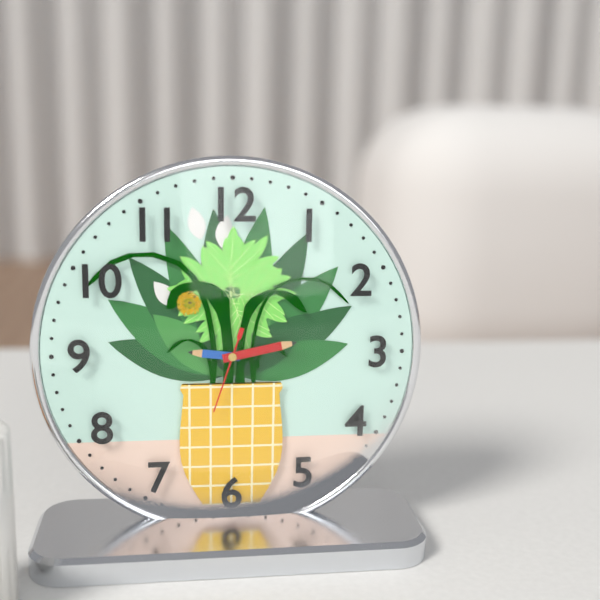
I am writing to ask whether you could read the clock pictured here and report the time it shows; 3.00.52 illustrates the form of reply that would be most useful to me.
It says 9.13.33
